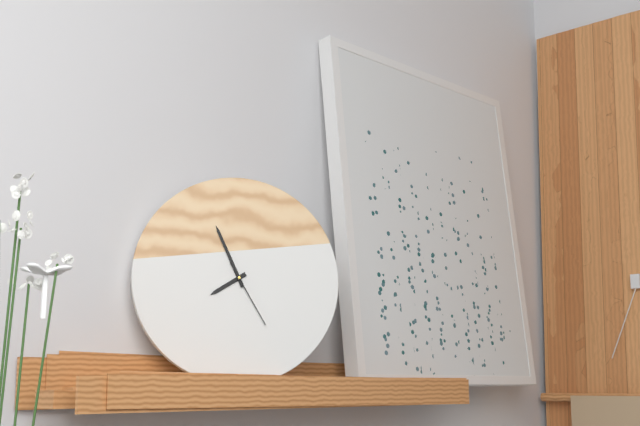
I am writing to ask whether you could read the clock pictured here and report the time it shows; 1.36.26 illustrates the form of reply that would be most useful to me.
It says 7.56.25
